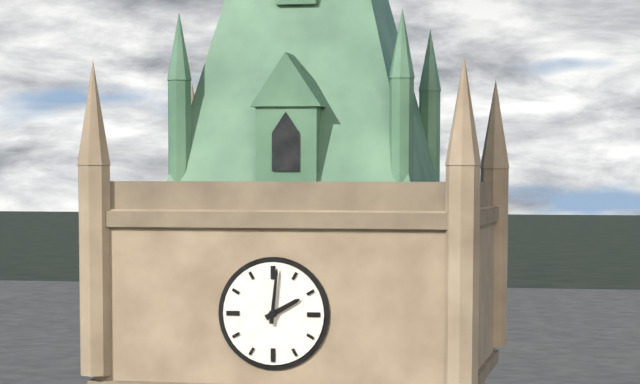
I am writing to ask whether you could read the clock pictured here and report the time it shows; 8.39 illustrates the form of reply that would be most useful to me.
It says 2.01
